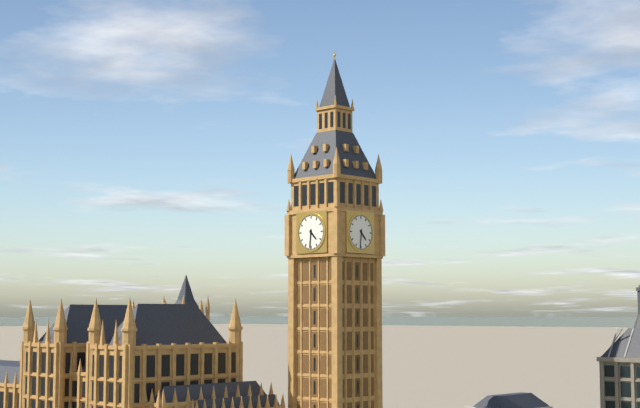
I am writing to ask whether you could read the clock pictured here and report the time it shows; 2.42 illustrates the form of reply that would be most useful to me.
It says 4.31
